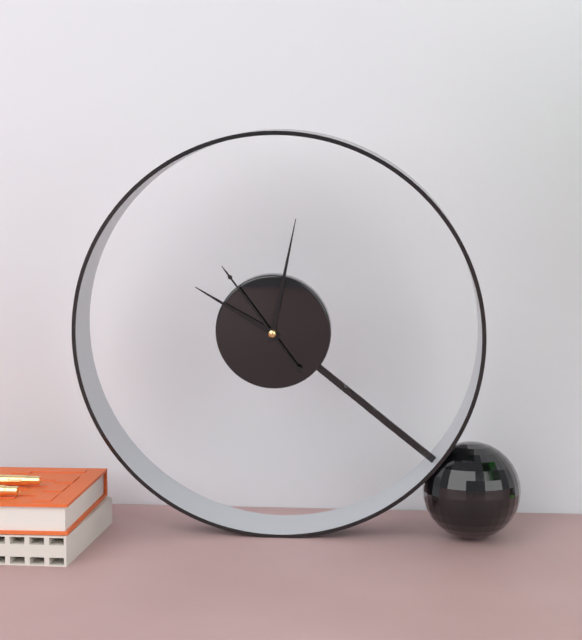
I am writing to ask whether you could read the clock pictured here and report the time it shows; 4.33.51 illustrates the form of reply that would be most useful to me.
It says 10.02.54
